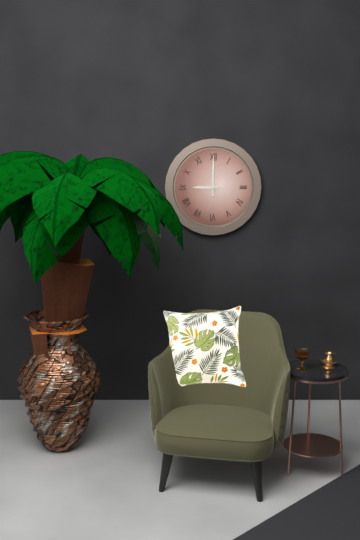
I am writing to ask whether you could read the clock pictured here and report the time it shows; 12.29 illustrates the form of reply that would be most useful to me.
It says 9.00
